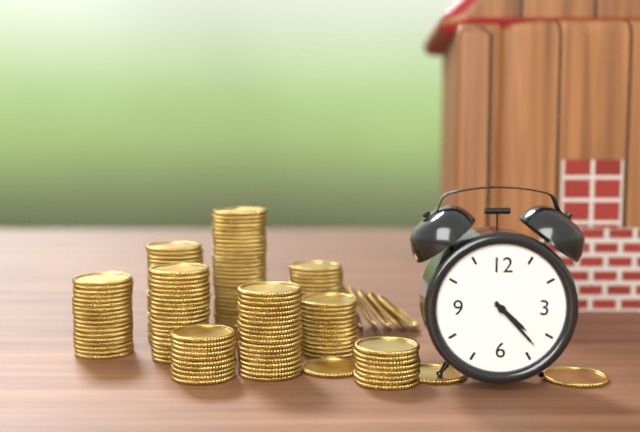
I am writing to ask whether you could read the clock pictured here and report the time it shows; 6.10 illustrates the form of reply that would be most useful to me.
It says 4.23
